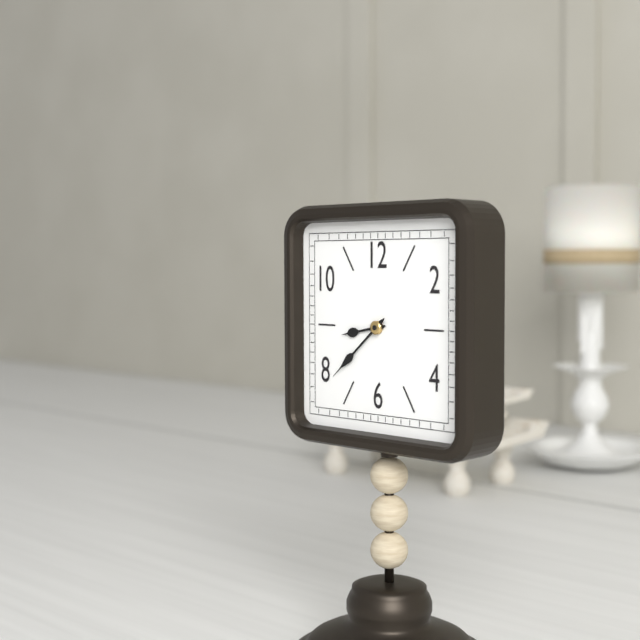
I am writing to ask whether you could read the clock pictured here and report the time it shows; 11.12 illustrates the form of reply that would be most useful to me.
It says 8.38
